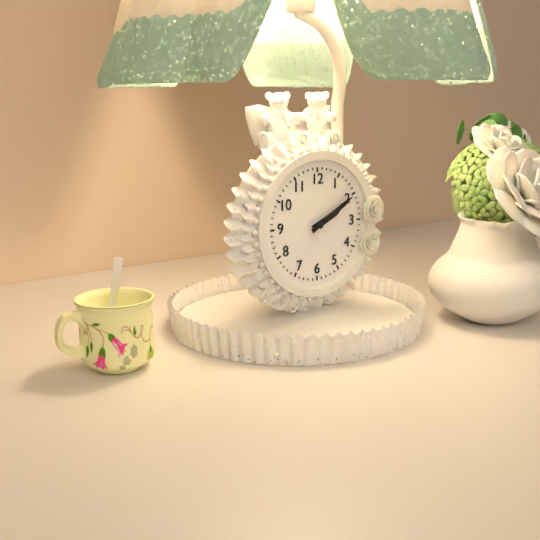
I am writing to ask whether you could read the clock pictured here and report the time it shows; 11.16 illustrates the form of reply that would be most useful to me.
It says 2.10
